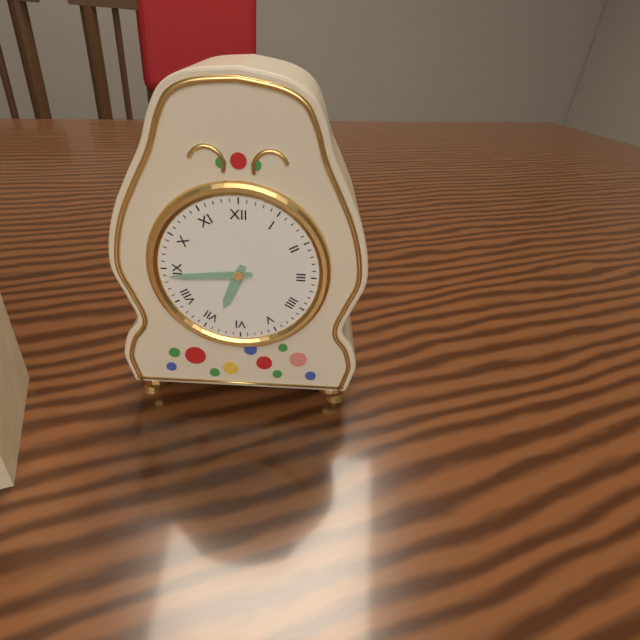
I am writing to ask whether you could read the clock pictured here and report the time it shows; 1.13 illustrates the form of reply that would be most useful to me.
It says 6.44
